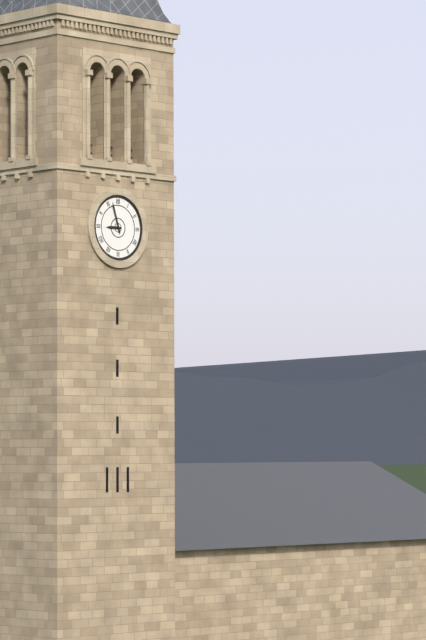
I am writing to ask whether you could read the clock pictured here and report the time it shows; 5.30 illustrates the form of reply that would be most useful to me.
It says 8.57
